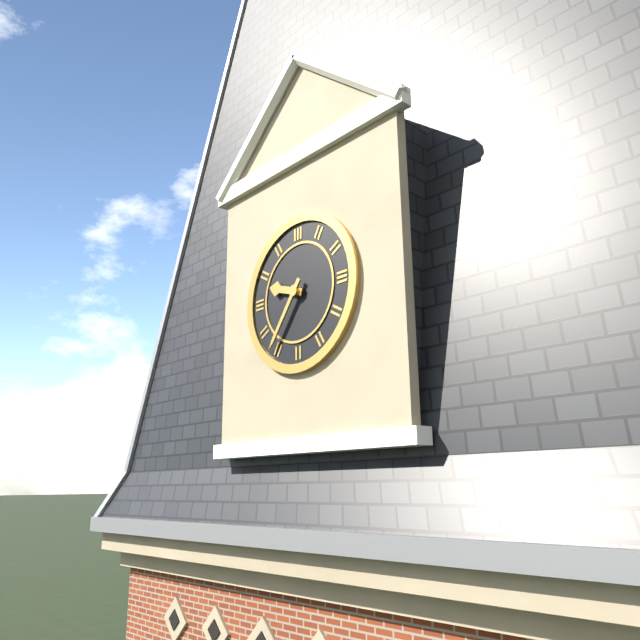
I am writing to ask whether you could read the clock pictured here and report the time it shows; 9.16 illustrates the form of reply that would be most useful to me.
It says 9.36
